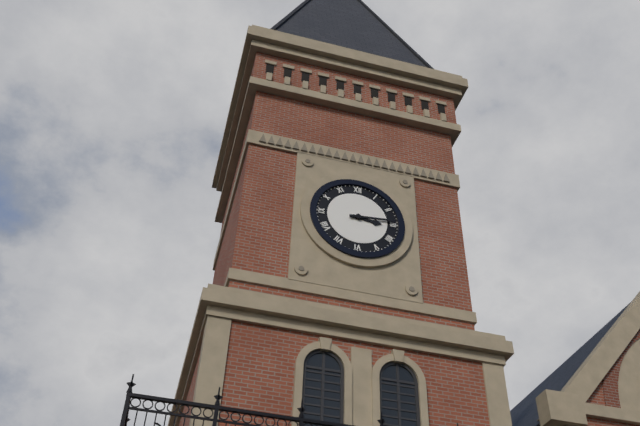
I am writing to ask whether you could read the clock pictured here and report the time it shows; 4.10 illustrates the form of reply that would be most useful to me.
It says 3.14
